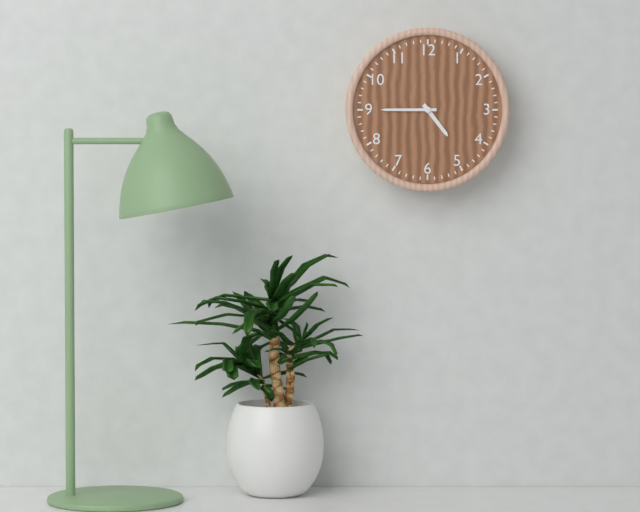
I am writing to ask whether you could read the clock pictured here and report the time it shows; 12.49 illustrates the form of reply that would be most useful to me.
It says 4.45
